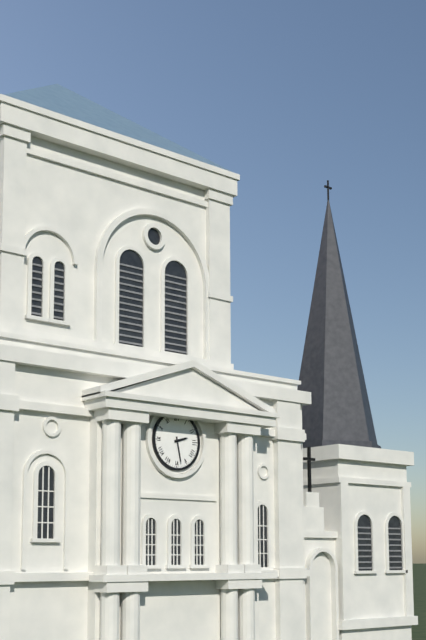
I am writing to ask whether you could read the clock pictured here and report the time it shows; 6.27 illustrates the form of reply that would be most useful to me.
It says 2.28
